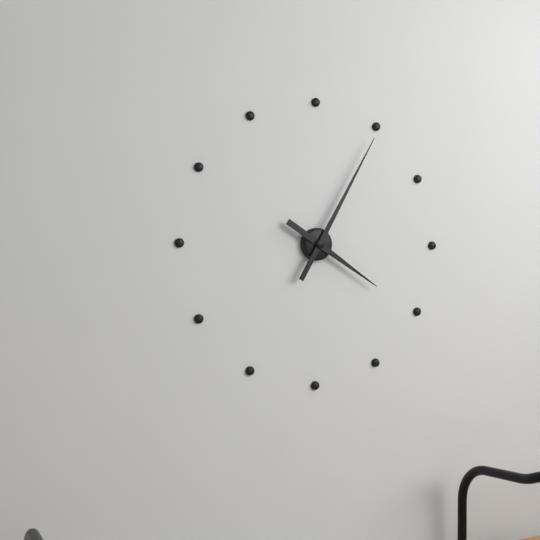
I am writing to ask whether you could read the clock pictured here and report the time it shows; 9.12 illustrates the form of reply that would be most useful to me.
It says 4.05
